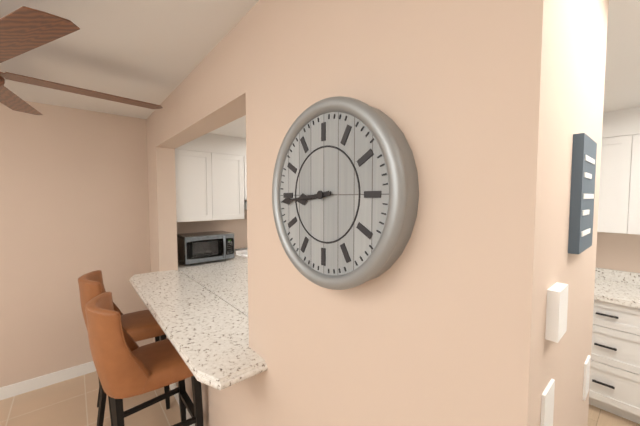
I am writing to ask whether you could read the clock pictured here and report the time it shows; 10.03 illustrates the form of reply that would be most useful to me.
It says 8.44
